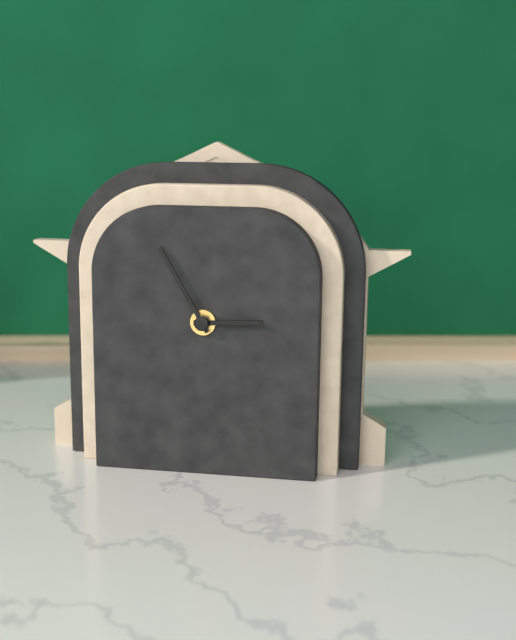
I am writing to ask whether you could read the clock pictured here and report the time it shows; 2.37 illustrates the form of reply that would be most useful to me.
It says 2.55
